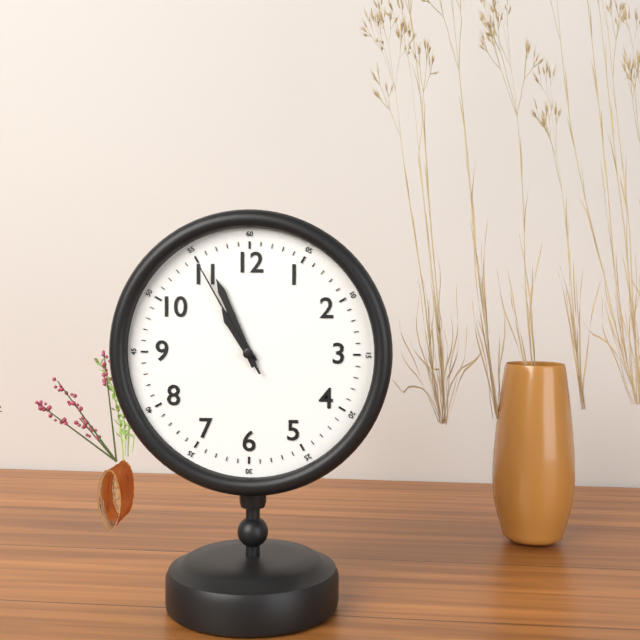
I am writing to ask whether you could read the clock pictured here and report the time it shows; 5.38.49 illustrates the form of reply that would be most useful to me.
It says 10.56.55
